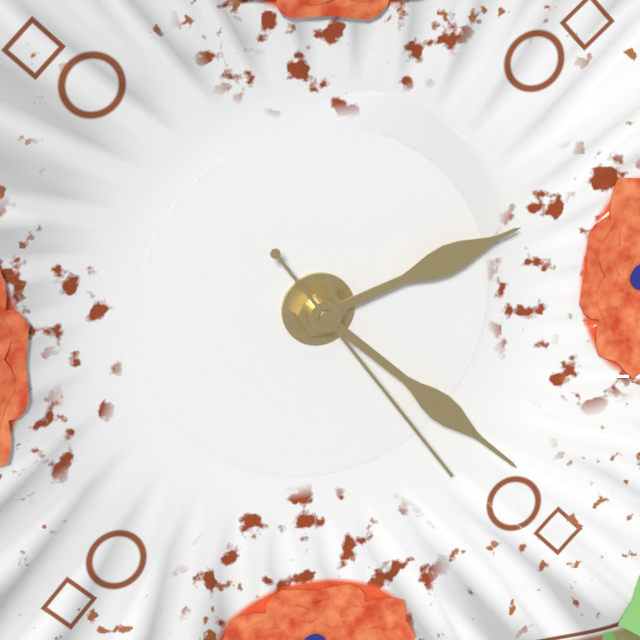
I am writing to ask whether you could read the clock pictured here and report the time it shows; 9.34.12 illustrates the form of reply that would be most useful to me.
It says 2.22.24
